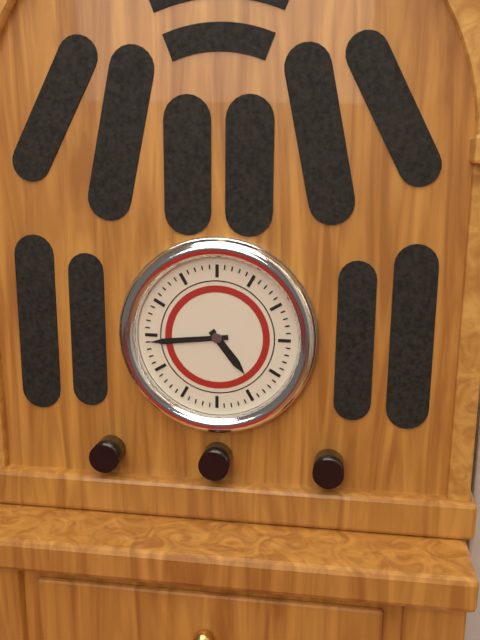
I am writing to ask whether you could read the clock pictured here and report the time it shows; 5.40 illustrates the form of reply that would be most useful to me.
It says 4.44
